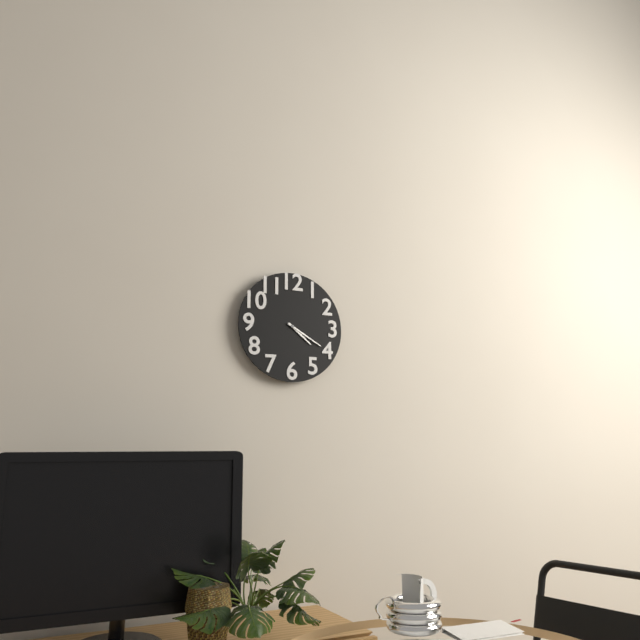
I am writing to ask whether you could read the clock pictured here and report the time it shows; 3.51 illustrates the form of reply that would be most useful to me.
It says 4.20
